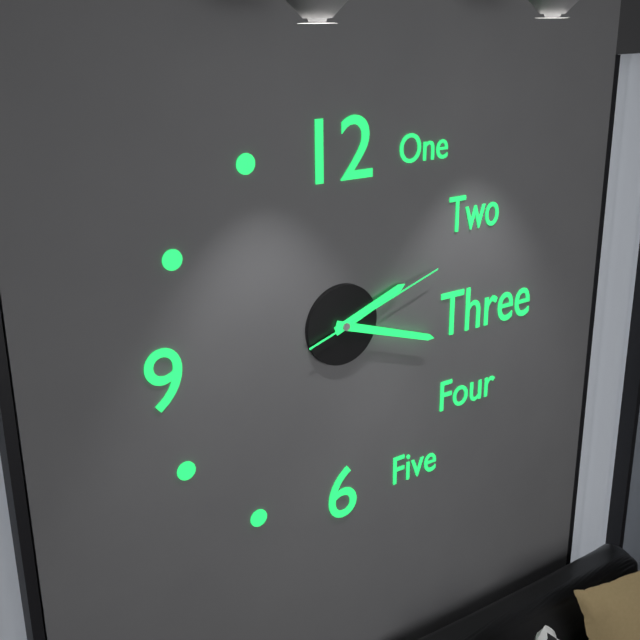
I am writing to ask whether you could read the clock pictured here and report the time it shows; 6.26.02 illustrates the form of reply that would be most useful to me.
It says 2.18.12
